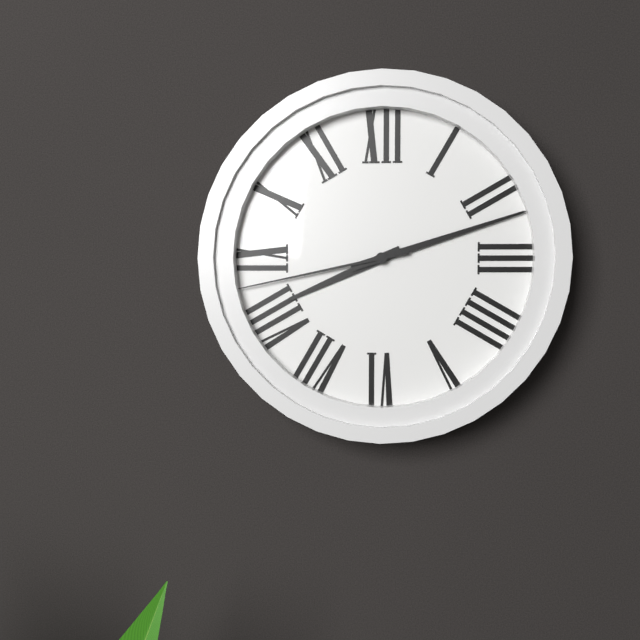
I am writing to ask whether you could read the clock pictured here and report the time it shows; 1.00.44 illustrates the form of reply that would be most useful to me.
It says 8.12.43
